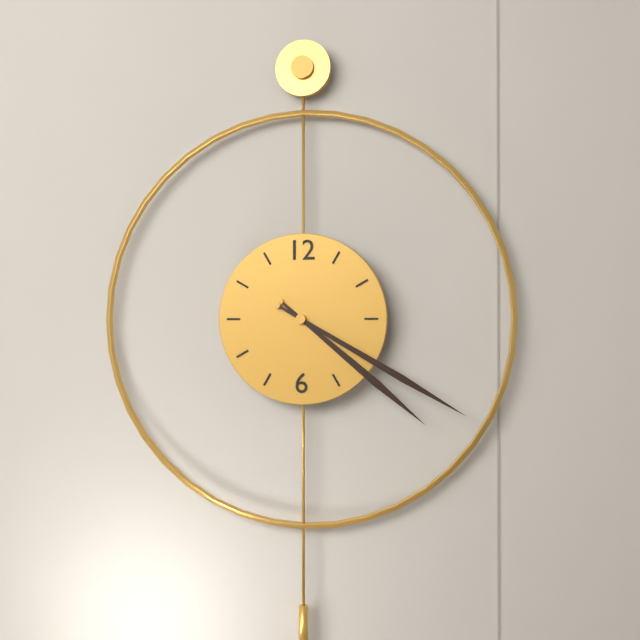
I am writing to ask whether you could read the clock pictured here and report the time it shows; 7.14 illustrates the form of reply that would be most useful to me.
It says 4.20
